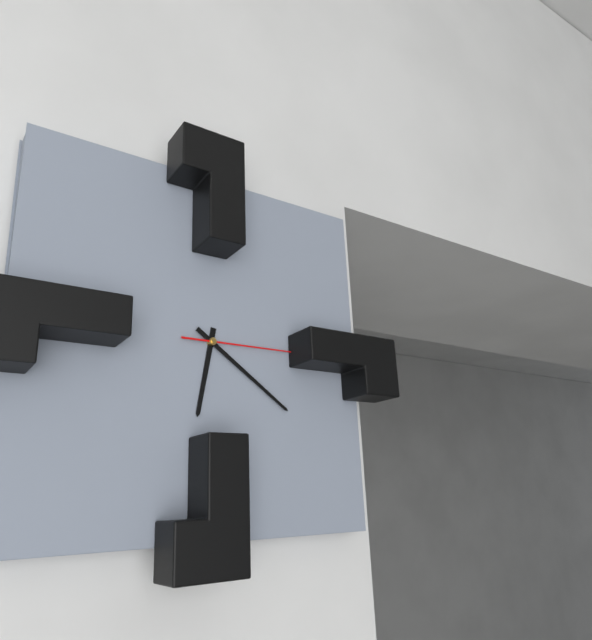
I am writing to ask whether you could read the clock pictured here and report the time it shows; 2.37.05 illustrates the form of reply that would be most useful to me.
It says 6.21.15
